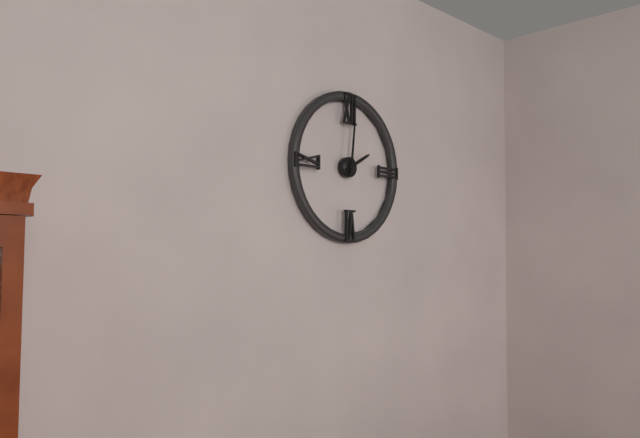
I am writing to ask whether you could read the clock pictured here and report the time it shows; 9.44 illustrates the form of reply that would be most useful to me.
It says 2.01
